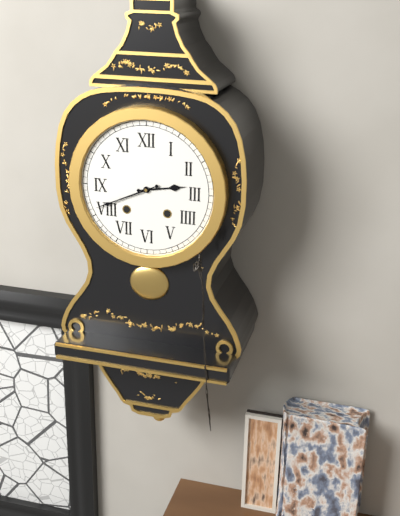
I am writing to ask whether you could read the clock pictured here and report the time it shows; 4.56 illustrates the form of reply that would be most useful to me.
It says 2.41
